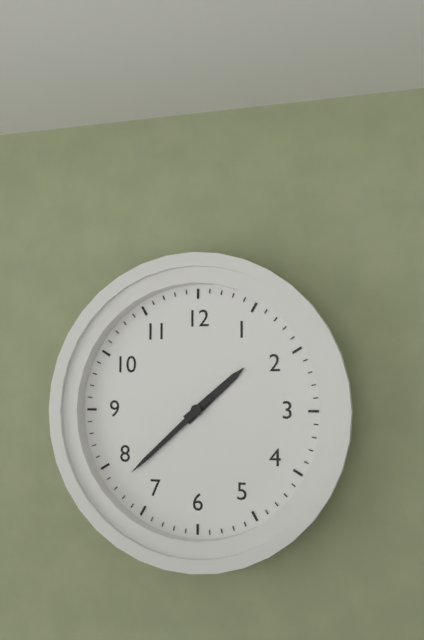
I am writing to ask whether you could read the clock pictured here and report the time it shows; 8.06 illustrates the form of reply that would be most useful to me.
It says 1.38
